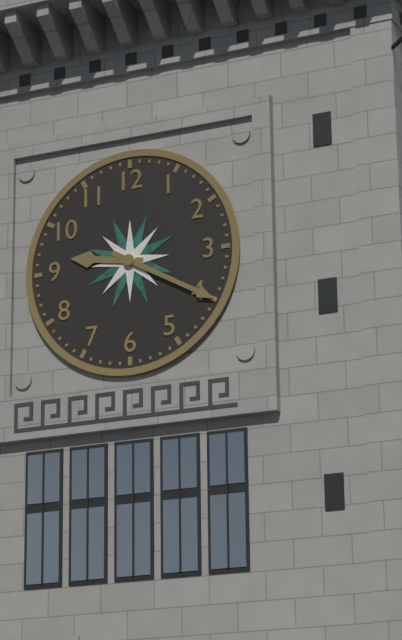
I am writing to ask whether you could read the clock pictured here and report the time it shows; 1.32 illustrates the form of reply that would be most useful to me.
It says 9.20
